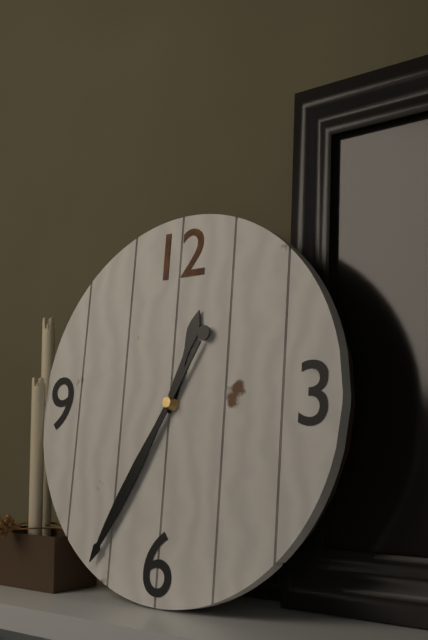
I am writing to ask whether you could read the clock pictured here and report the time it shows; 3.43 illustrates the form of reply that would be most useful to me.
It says 12.35
